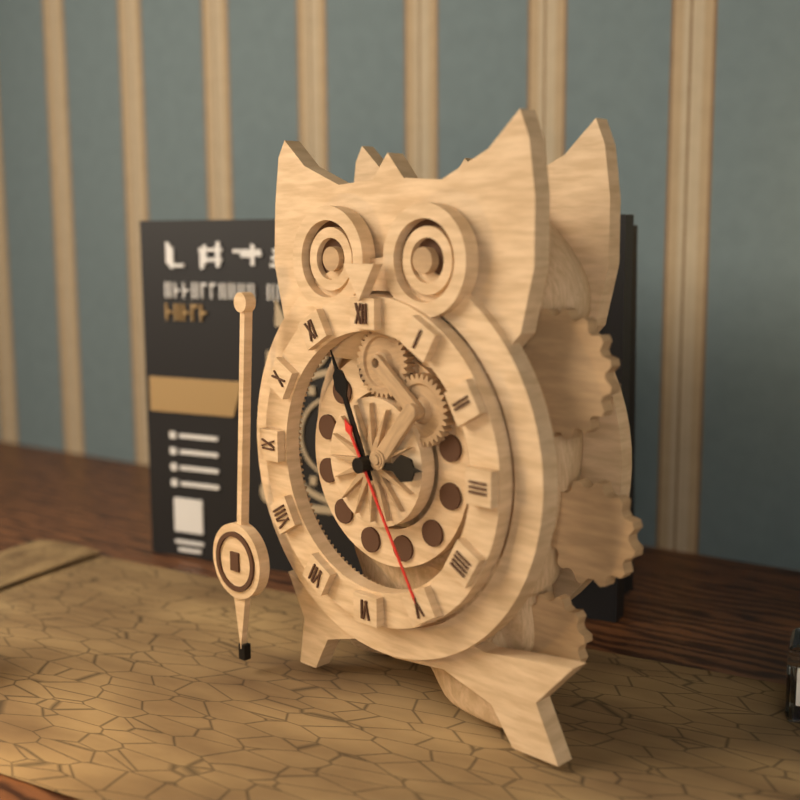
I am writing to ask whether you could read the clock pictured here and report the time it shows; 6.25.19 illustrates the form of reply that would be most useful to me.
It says 2.56.25
